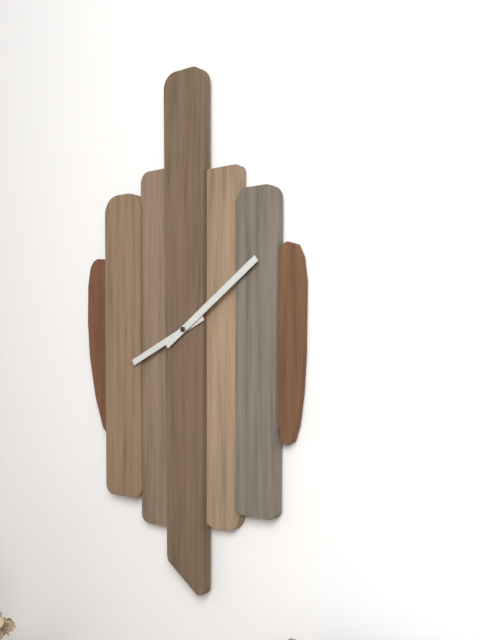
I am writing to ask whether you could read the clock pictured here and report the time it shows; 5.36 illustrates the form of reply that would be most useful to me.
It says 8.09
